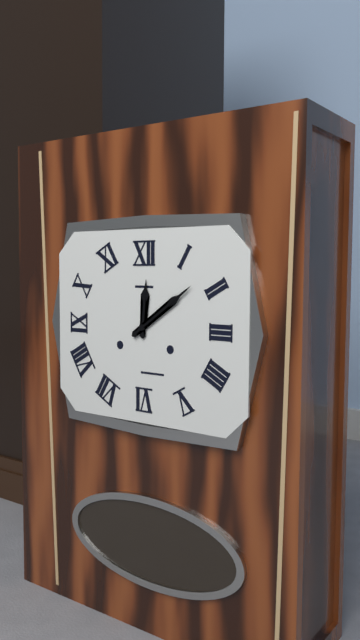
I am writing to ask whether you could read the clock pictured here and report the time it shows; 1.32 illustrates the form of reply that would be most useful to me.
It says 12.09
